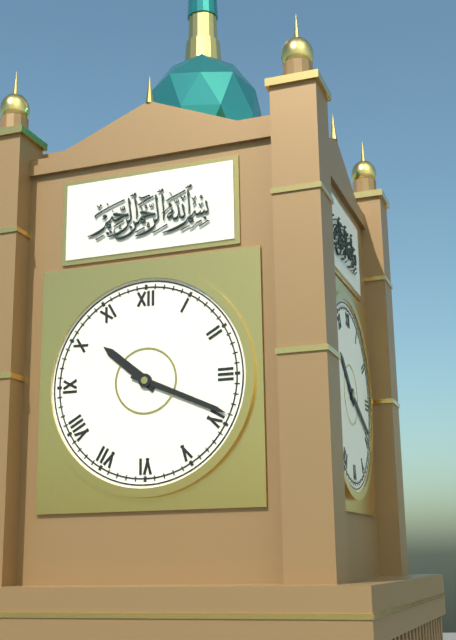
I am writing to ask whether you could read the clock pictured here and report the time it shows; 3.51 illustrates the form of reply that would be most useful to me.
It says 10.19
